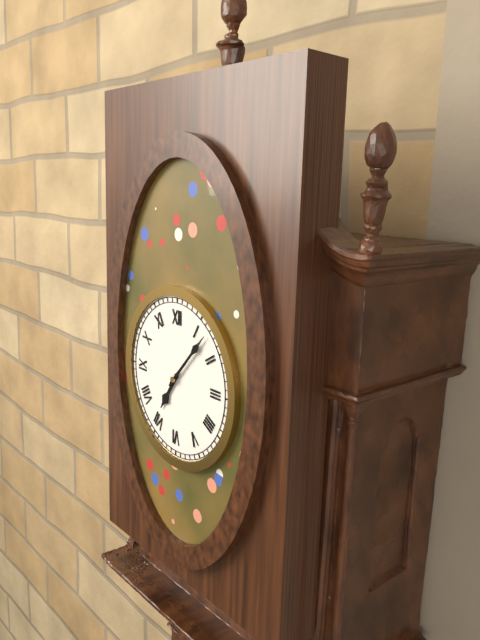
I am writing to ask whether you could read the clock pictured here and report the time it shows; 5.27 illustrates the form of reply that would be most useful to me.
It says 7.07
